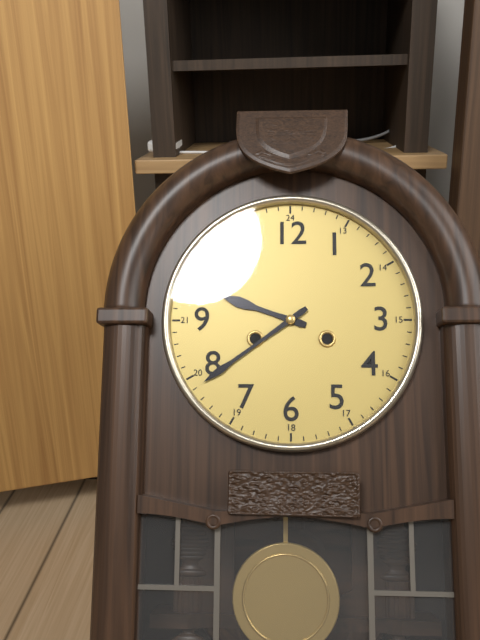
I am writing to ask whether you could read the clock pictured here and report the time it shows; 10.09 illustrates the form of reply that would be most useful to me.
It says 9.39
